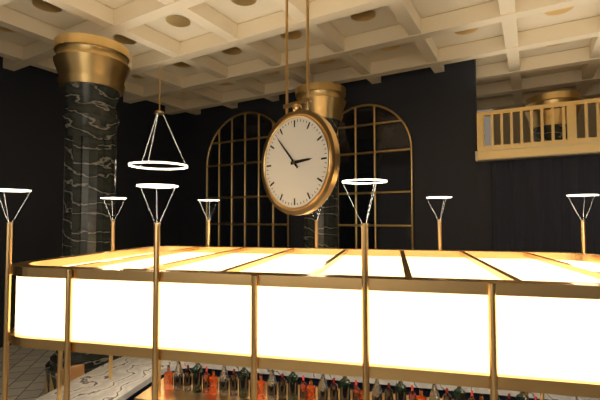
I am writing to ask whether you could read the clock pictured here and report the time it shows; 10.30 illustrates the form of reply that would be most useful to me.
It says 2.53
